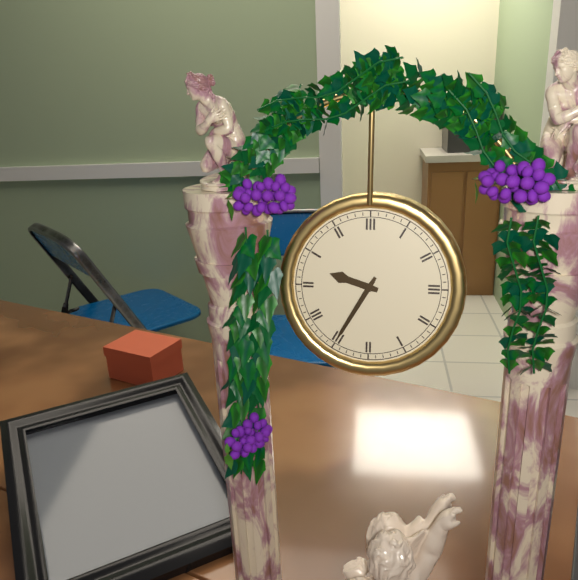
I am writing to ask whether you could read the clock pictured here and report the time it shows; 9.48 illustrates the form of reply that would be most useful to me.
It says 9.35
